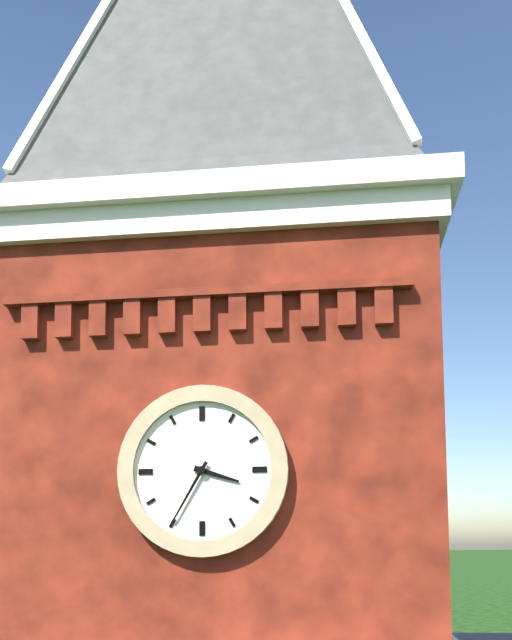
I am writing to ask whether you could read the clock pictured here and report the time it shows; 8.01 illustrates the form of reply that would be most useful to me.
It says 3.35
